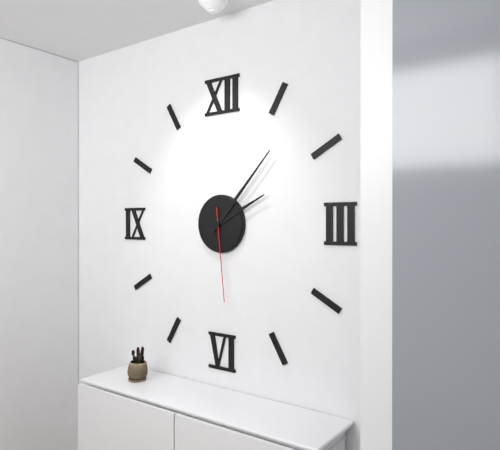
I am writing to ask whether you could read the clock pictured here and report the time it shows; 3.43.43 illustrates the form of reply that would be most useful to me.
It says 2.07.29
